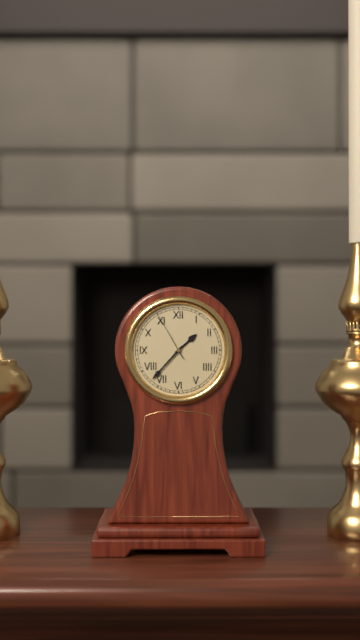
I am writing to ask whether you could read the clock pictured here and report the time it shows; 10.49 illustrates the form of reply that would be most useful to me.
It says 1.37
